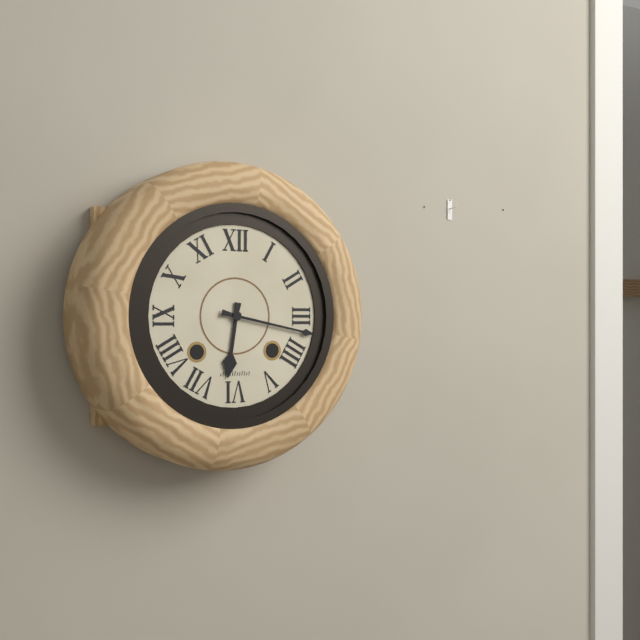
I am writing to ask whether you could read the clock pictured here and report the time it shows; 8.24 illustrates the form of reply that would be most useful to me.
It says 6.17
